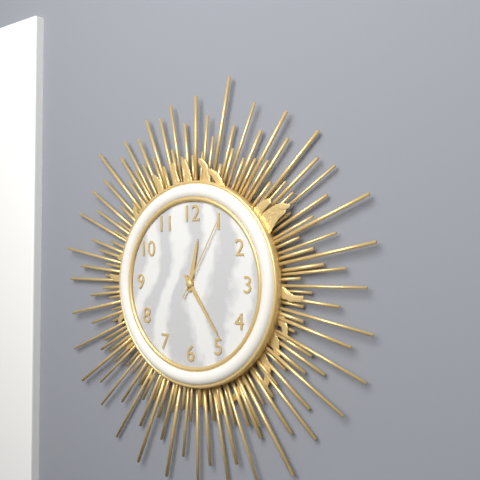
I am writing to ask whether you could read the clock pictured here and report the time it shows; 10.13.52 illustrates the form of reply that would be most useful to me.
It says 12.24.05
